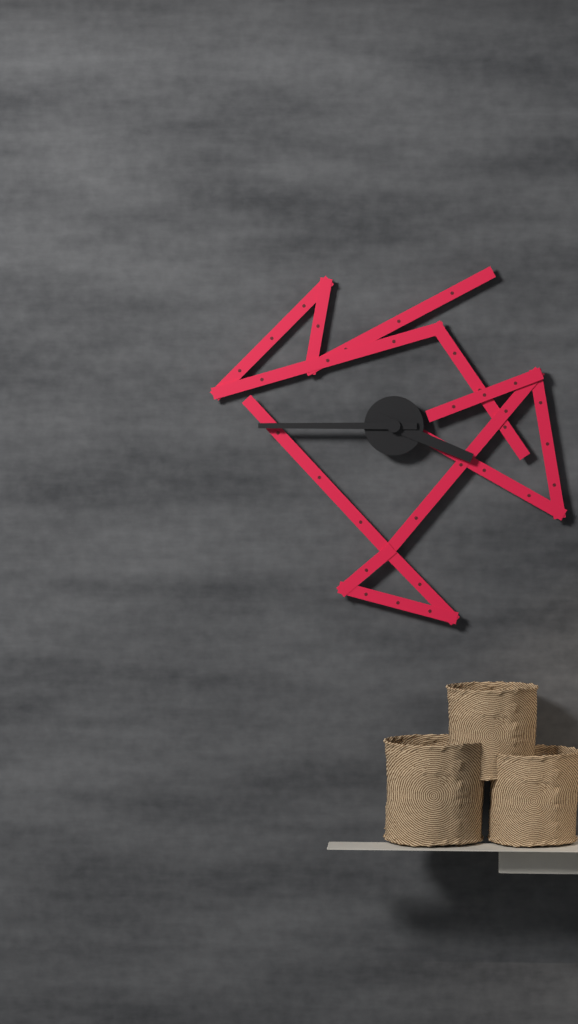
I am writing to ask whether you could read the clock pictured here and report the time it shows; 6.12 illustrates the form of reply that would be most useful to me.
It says 3.45
